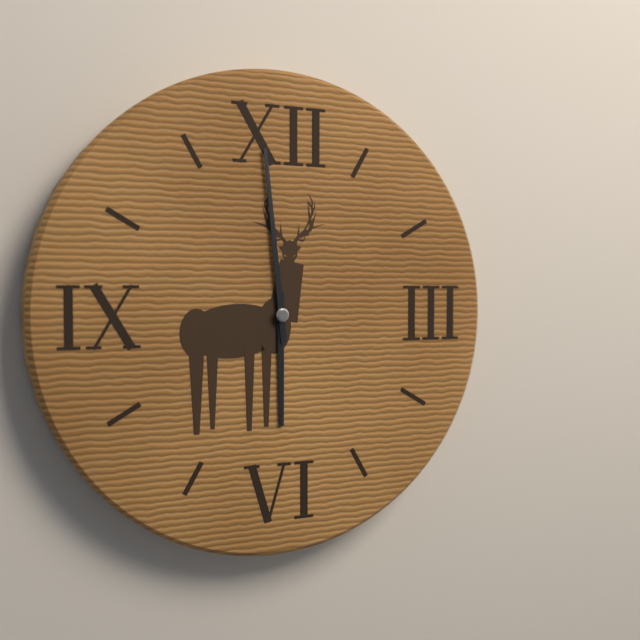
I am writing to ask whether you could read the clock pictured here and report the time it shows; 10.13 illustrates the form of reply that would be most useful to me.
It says 5.59
